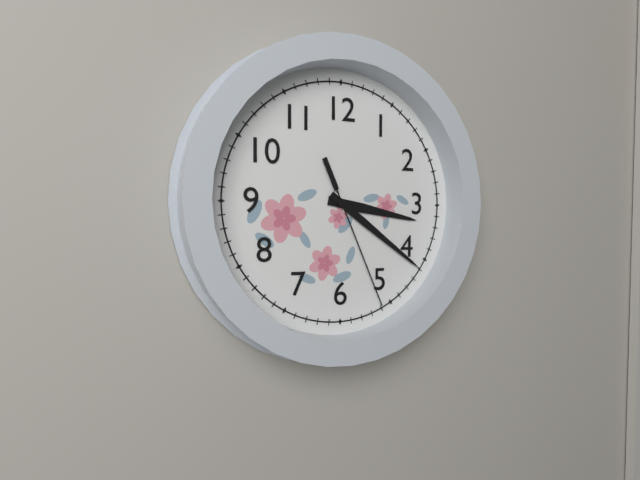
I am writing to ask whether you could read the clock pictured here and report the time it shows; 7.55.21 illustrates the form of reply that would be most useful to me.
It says 3.21.26
